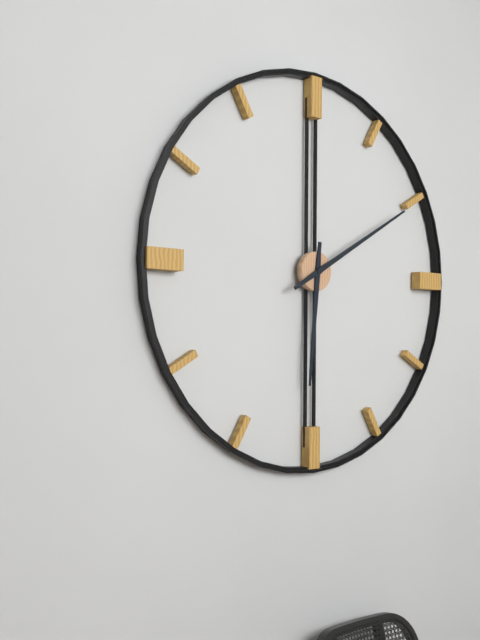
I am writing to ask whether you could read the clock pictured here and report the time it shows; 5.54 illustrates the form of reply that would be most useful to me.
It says 6.10
